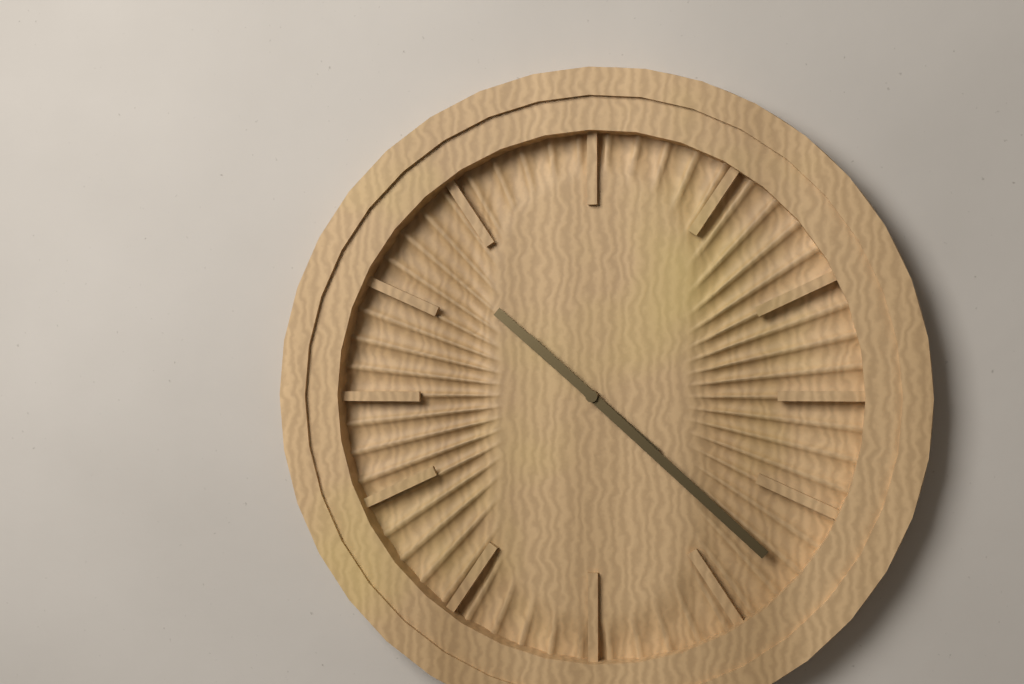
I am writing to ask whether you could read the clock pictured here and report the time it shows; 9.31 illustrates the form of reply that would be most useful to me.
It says 10.22
